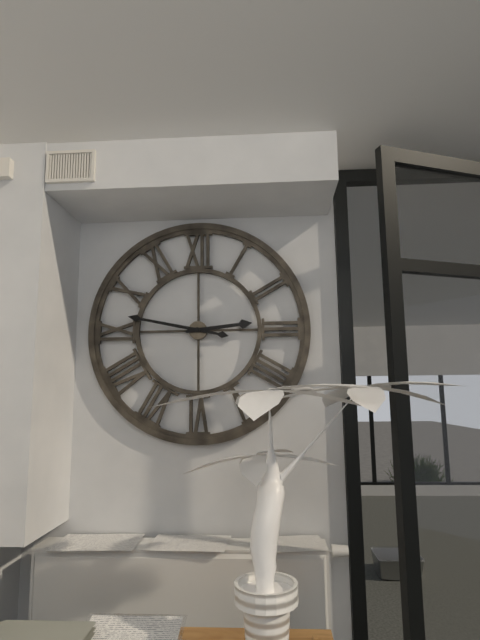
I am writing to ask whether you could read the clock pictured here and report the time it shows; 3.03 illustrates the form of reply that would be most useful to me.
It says 2.47
